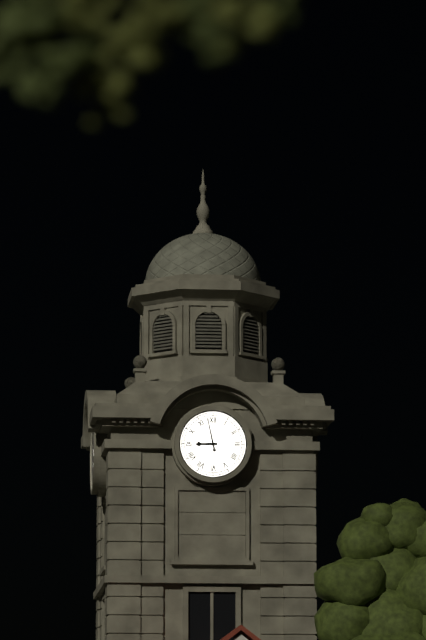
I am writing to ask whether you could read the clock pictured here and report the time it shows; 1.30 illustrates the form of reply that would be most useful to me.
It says 8.58
